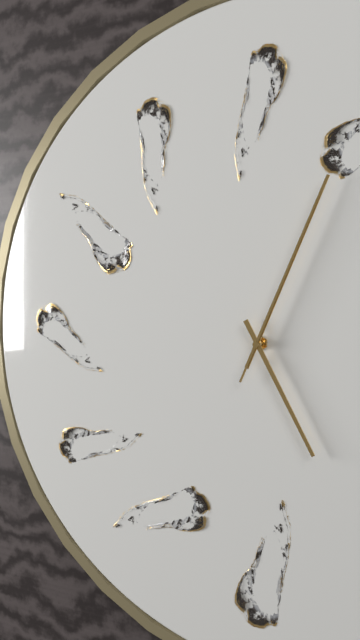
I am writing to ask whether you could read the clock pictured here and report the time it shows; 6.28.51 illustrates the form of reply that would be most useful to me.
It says 5.04.04
